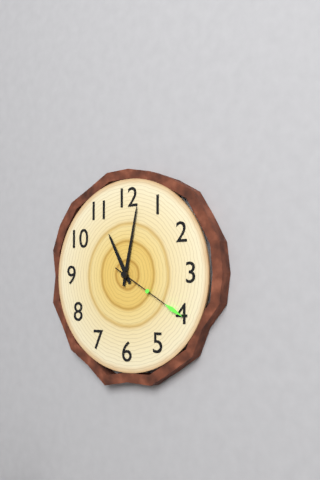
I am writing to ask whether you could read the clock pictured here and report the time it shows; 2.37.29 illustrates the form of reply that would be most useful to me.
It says 11.02.20
